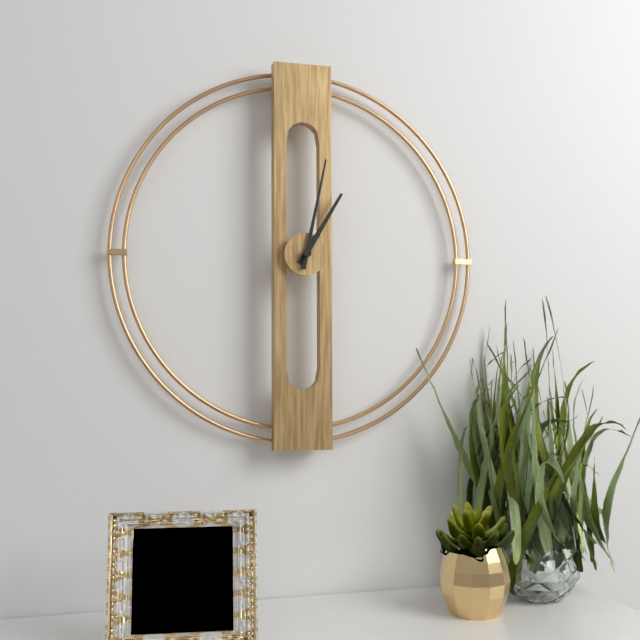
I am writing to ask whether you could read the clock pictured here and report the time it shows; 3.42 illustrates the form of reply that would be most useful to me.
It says 1.02
